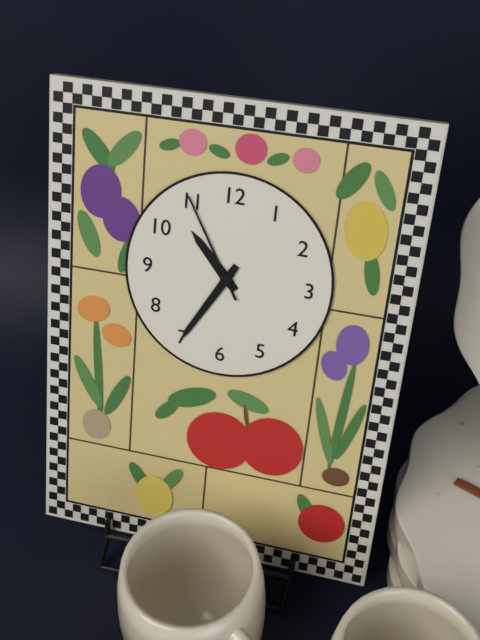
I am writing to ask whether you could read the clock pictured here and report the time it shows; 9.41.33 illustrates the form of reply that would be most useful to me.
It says 10.35.55
